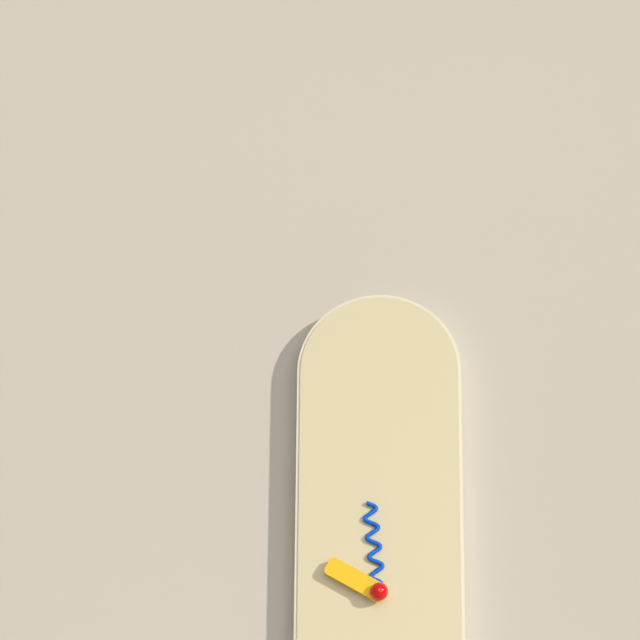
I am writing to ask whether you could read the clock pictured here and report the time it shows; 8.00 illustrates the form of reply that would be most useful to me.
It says 9.59
